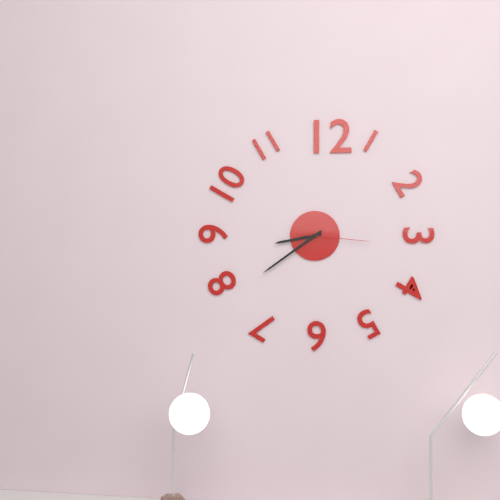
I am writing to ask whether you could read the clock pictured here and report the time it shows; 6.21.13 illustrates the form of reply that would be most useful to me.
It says 8.39.16
